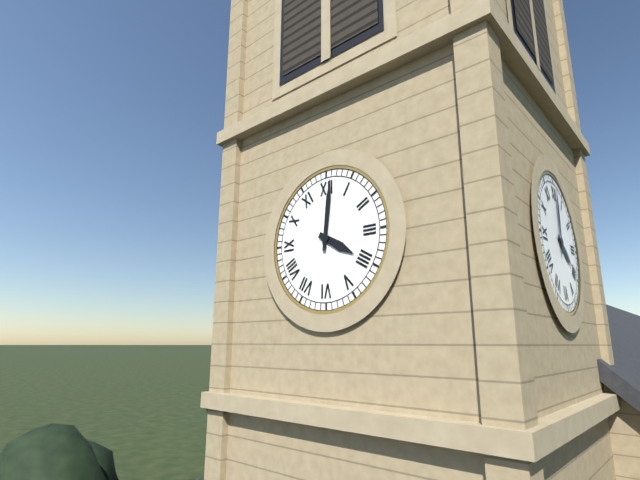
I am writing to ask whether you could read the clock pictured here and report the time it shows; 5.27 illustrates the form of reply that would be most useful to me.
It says 4.01
